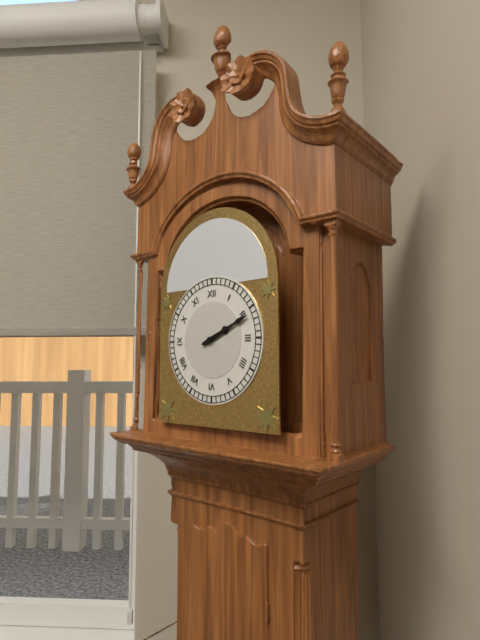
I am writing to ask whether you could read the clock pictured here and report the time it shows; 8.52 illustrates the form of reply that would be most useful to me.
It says 2.11
